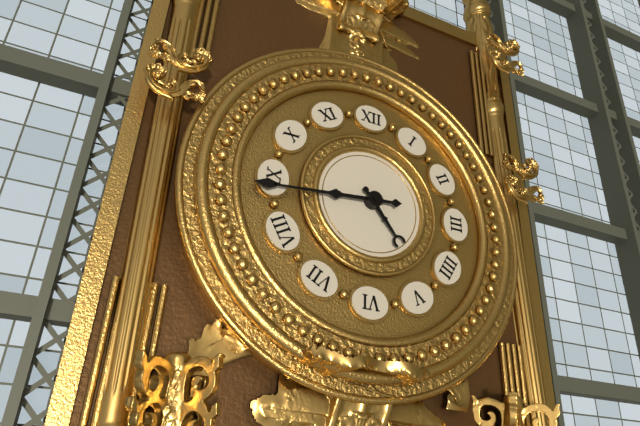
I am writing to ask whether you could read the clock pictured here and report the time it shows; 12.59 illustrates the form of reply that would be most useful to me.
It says 4.44
